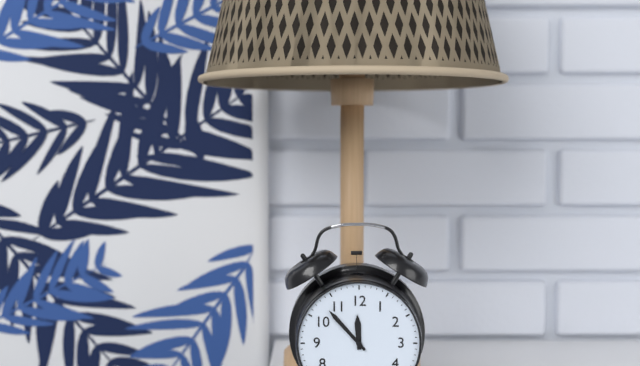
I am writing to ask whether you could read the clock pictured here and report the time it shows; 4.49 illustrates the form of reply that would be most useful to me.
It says 11.53
